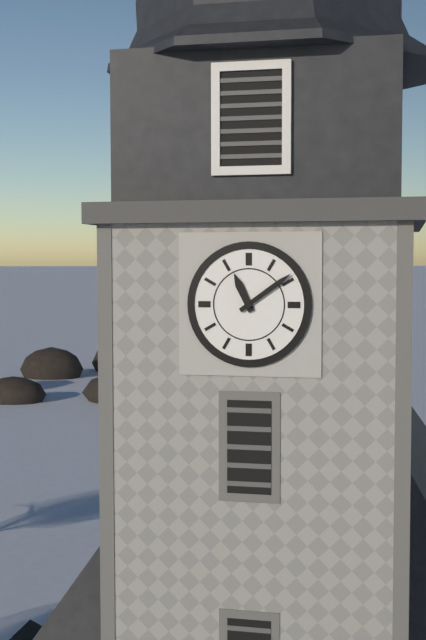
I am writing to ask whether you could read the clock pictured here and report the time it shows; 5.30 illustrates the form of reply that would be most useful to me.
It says 11.09
